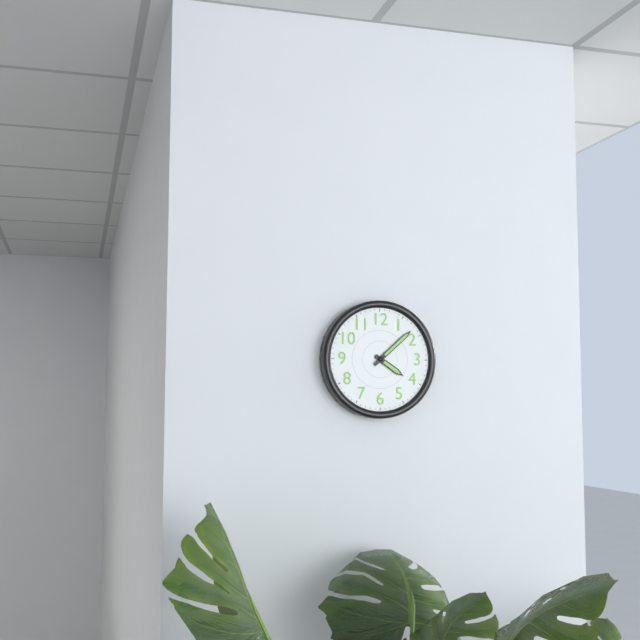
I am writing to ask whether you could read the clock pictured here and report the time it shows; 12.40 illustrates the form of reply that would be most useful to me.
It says 4.08
